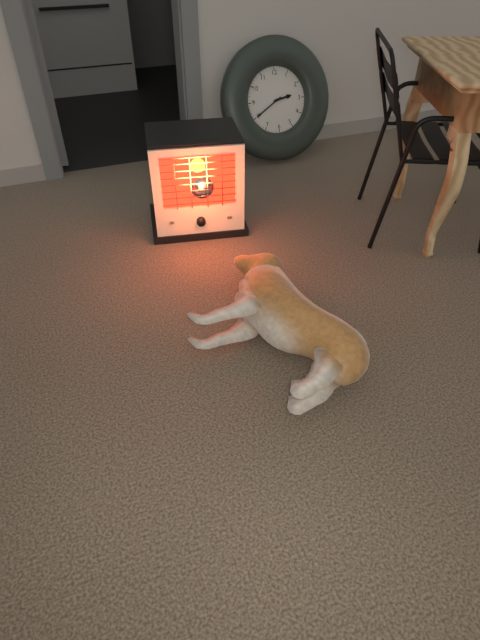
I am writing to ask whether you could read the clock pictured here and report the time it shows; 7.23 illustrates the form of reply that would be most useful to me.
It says 2.40
